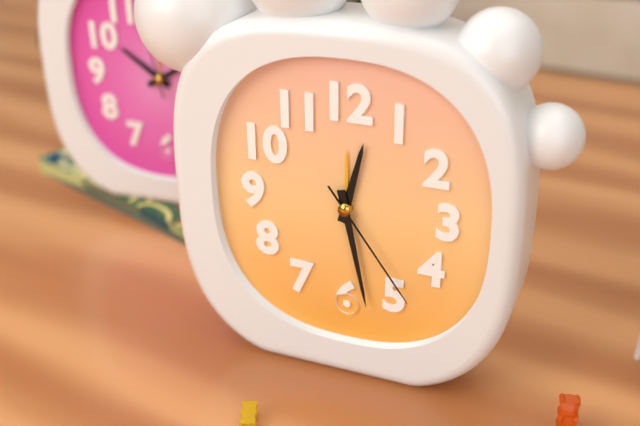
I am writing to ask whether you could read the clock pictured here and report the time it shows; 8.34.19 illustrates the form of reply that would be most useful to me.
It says 12.28.24
